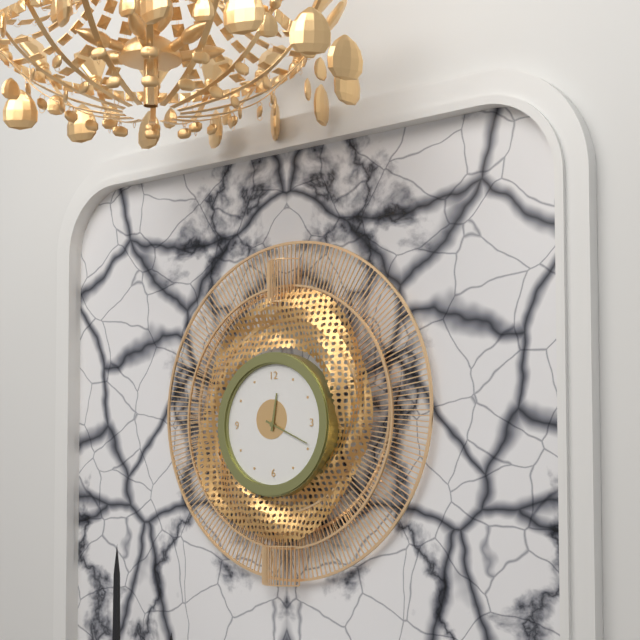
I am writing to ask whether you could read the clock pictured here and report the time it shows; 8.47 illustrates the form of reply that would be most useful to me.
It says 12.19
